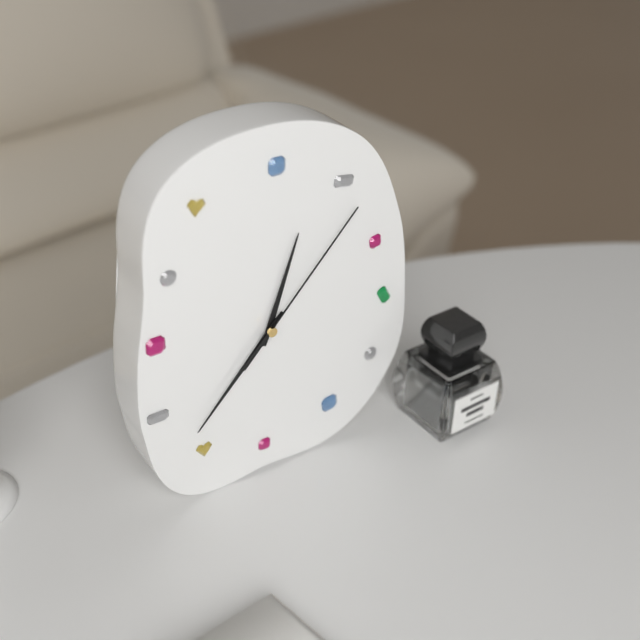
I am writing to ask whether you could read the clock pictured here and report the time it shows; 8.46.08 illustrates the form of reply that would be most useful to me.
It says 12.37.07
